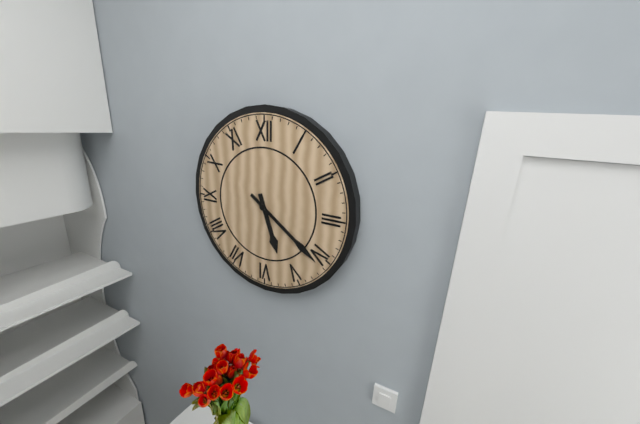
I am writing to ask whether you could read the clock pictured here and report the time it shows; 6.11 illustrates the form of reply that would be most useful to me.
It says 5.21
